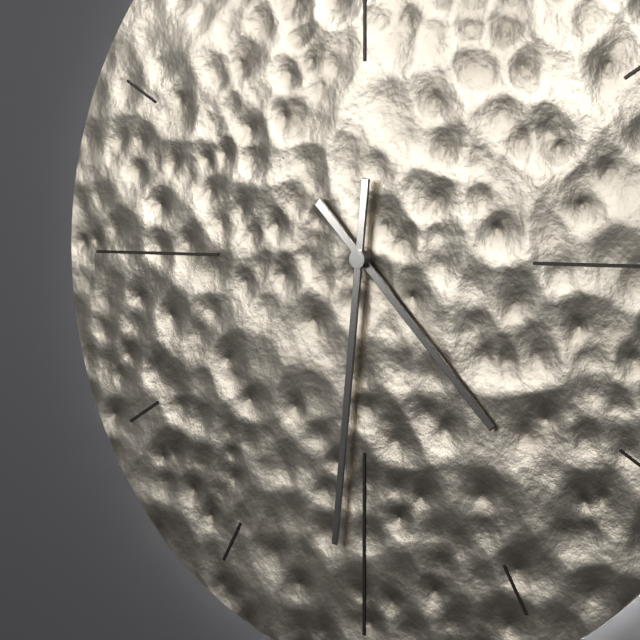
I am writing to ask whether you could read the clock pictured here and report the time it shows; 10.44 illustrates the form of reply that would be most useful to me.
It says 4.31
